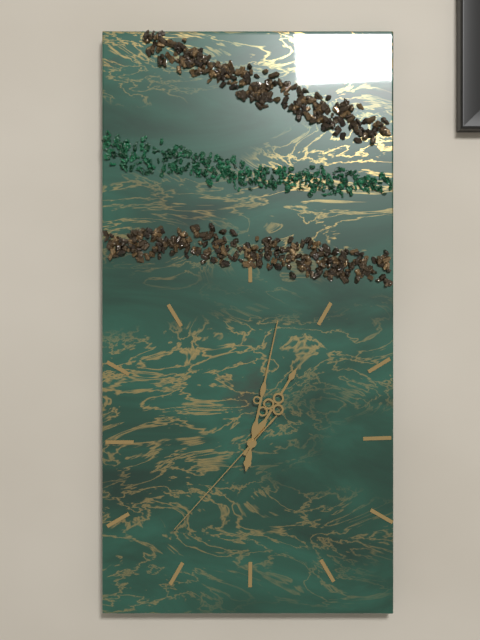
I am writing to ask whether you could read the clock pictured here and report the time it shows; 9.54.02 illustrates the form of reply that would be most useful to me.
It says 1.02.37
